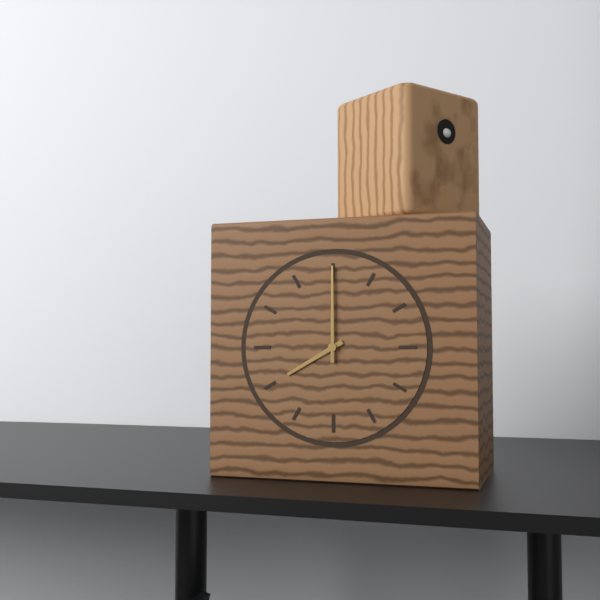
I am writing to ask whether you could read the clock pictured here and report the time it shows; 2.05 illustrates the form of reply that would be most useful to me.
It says 8.00
